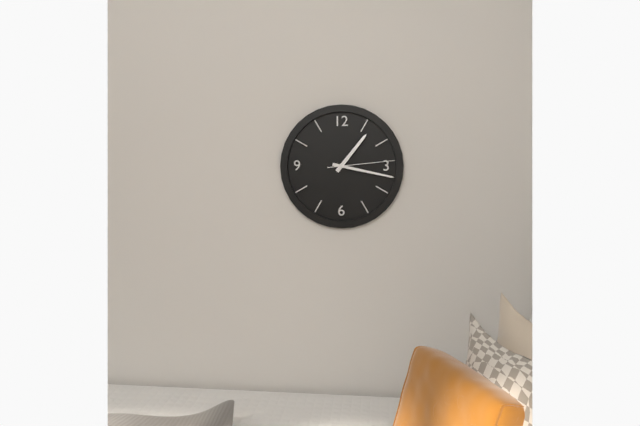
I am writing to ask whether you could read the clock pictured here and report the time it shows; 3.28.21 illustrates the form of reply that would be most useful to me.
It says 1.17.14
